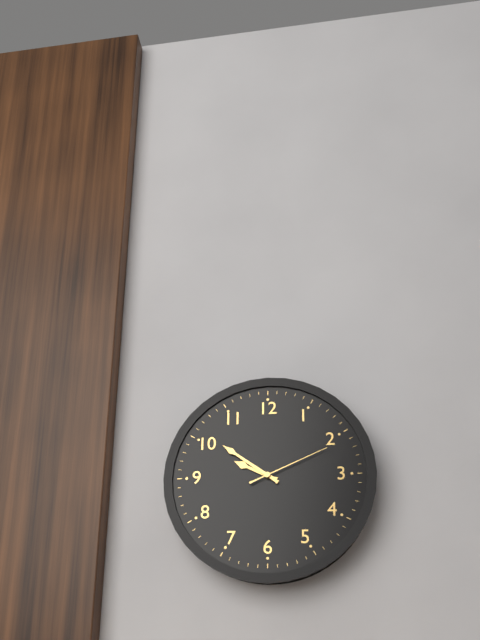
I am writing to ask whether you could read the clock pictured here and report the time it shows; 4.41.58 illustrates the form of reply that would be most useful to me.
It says 9.51.11
